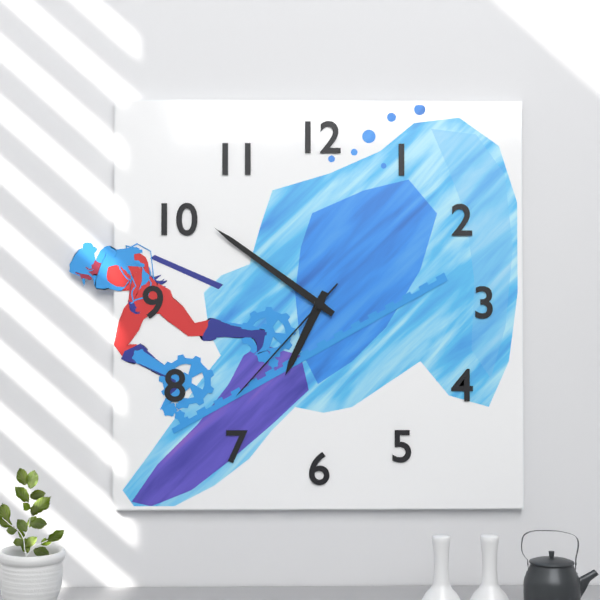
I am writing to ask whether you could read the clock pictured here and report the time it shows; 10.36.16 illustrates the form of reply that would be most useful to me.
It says 6.51.37
